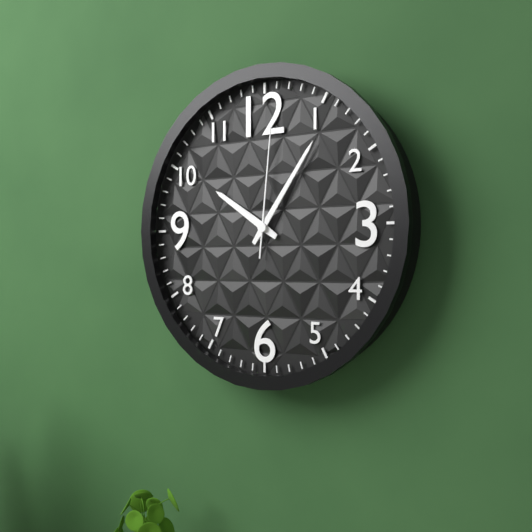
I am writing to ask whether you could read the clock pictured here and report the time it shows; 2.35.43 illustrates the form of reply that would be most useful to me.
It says 10.06.01
